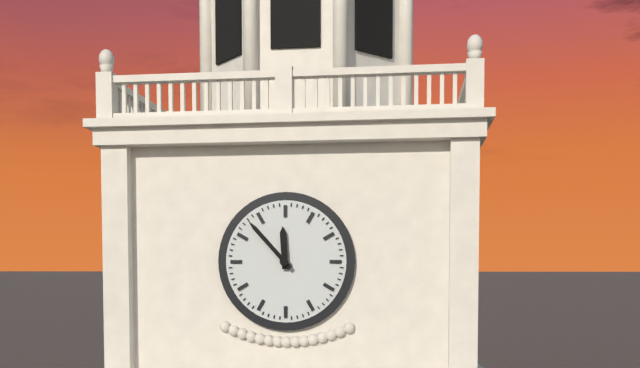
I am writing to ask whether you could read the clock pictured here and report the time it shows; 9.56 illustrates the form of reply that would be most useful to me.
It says 11.53
